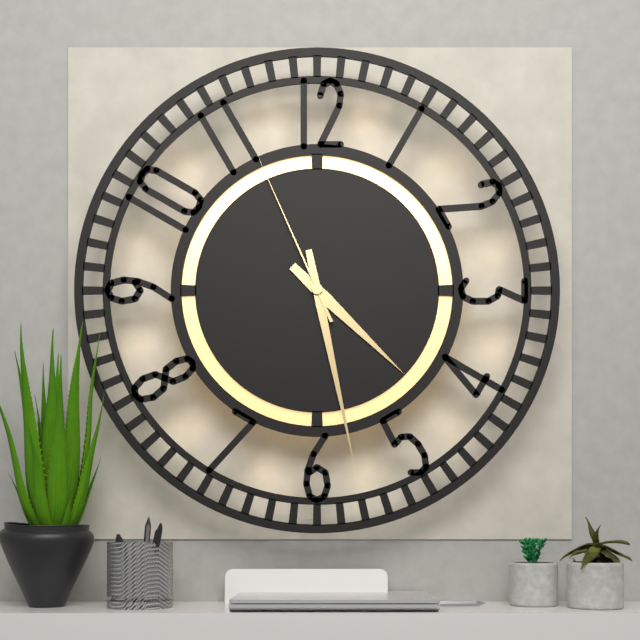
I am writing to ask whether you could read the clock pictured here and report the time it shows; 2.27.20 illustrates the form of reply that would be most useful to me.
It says 4.28.56
